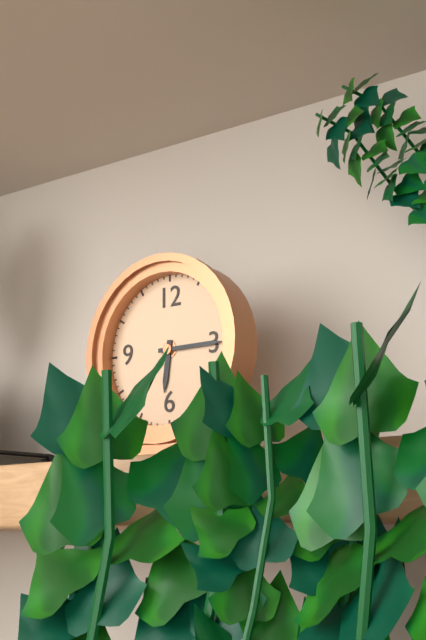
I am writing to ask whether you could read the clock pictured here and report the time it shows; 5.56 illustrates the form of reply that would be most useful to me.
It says 6.15
